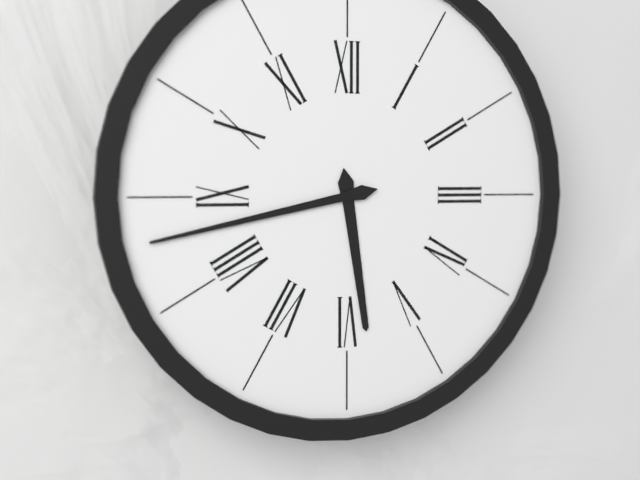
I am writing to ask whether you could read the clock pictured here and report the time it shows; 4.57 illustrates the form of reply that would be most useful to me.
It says 5.43
